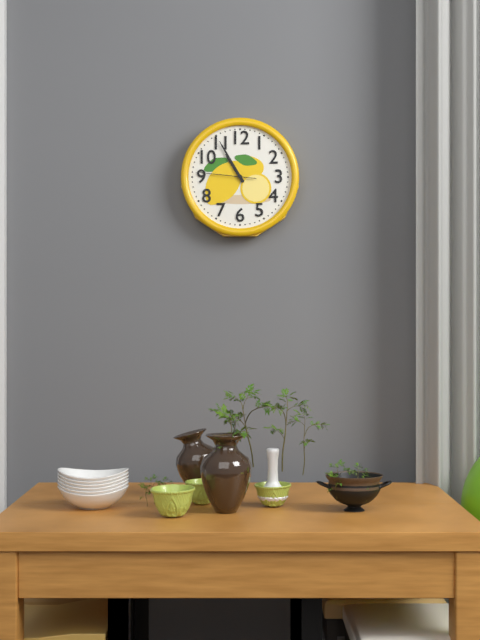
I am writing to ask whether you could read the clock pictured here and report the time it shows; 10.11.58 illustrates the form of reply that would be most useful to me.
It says 10.55.46
